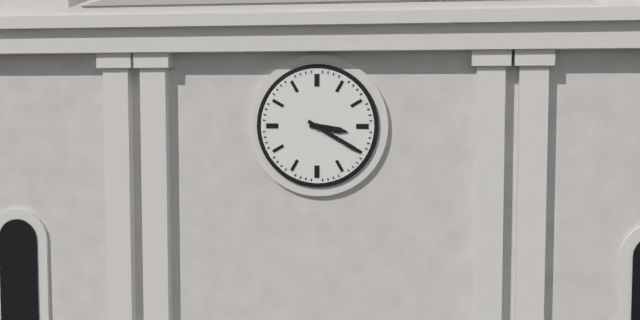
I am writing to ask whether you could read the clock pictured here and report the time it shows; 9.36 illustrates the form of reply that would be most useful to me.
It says 3.20
